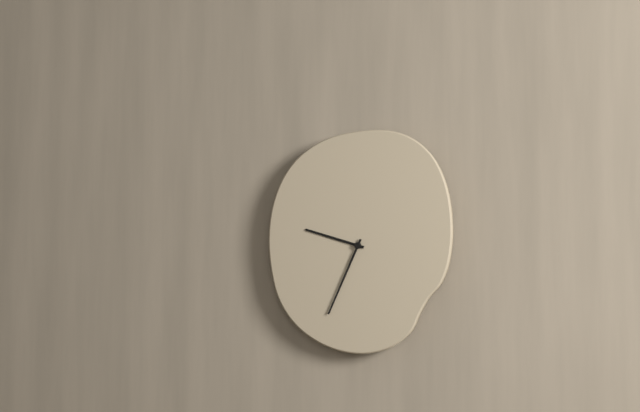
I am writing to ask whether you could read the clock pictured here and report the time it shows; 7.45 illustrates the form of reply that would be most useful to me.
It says 9.34
